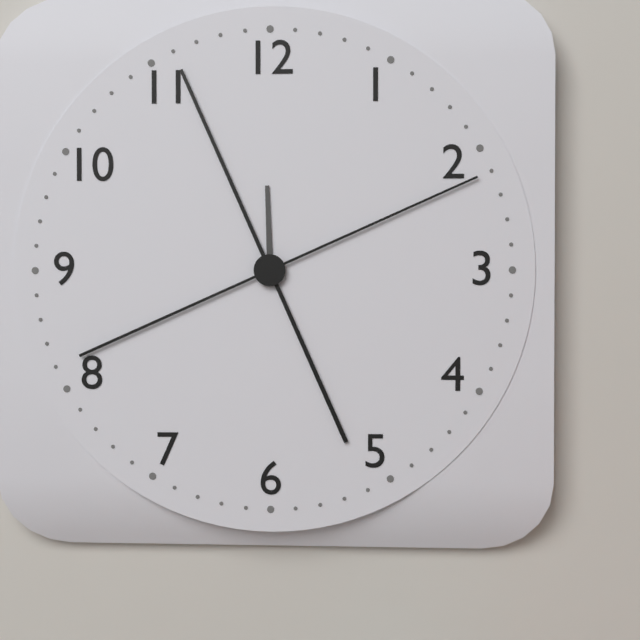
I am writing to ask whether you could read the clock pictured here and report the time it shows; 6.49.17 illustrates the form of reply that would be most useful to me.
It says 11.56.11
